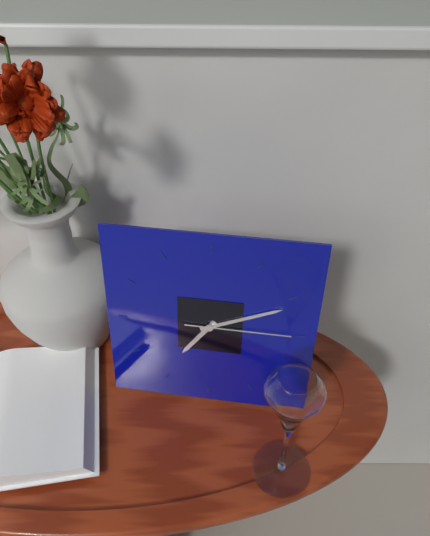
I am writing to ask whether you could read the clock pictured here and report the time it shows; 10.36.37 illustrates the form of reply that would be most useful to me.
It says 7.11.15
